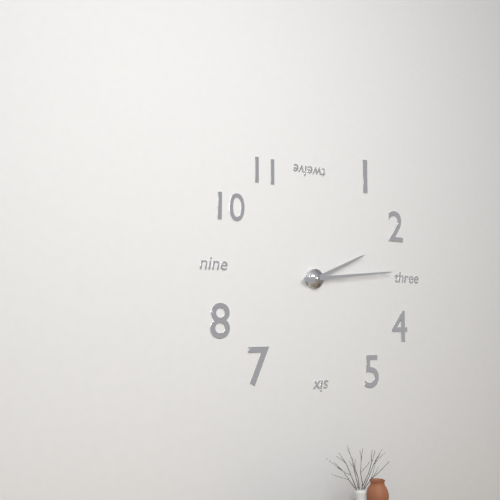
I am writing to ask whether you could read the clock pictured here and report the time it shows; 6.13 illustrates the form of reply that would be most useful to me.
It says 2.14
